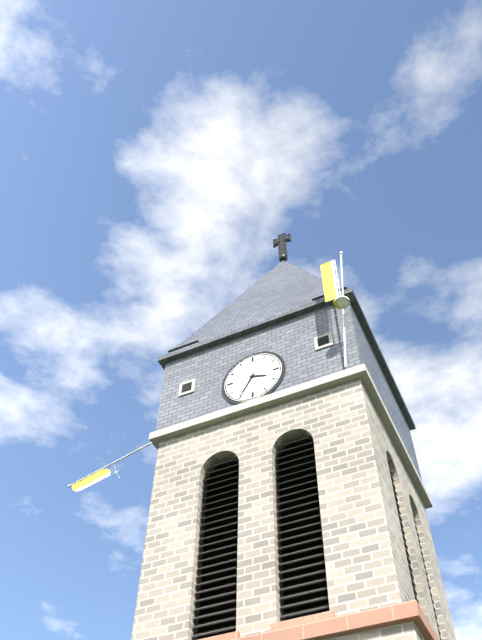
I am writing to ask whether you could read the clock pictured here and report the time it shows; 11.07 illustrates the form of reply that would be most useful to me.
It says 3.35
